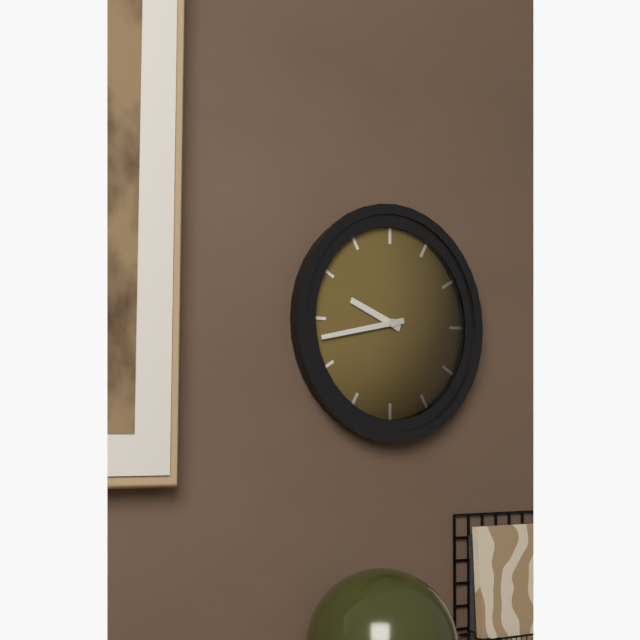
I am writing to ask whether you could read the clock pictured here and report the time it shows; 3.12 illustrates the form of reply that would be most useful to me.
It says 9.43
